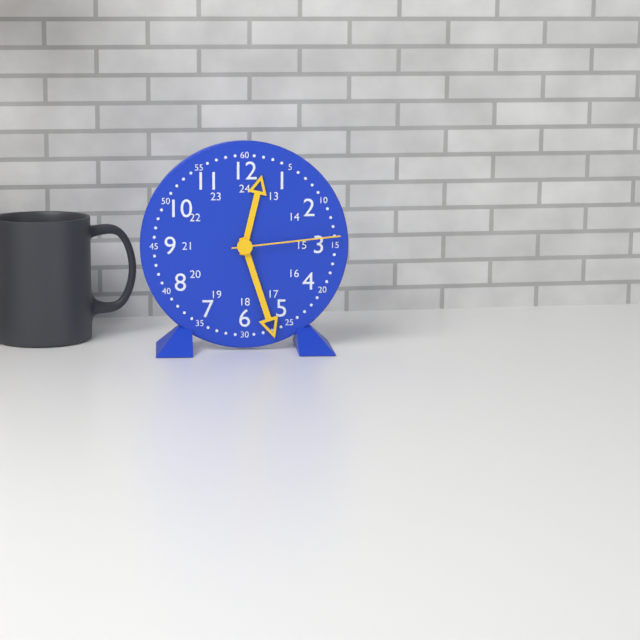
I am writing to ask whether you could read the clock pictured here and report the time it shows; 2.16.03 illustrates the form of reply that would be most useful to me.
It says 12.27.14
